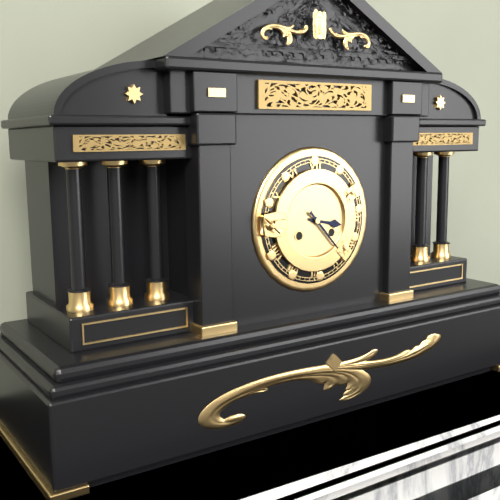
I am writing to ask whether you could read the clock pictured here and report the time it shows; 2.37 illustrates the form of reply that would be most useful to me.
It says 3.23
